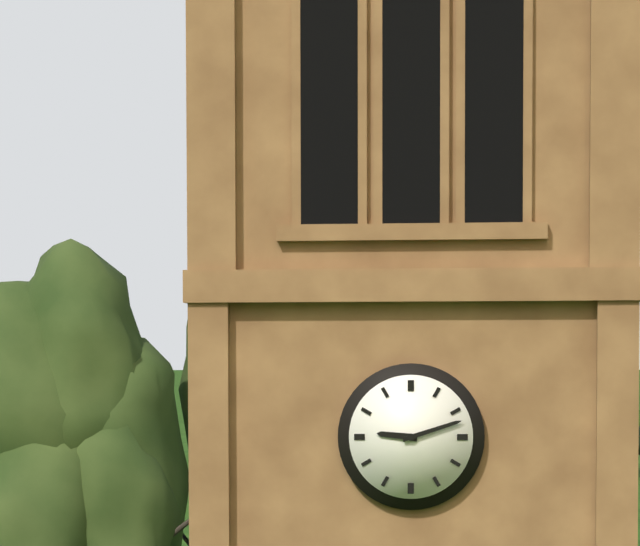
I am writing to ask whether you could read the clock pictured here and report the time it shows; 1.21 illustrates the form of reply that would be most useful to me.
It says 9.12
